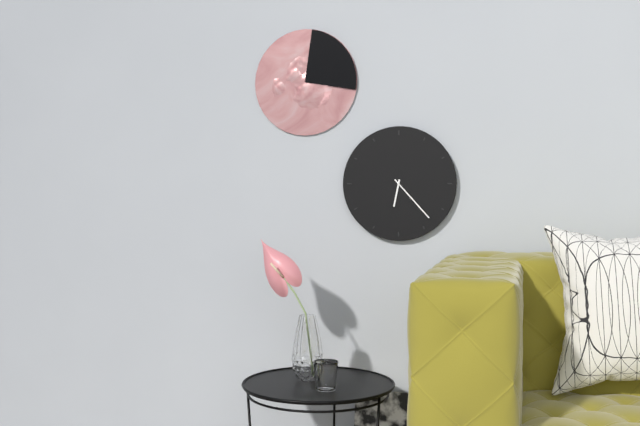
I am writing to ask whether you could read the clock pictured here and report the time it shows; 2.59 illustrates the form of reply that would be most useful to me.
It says 6.23
